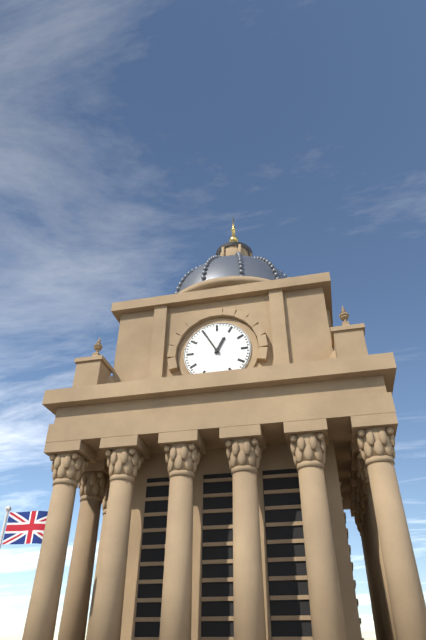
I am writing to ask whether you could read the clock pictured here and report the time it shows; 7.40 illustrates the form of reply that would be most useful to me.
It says 12.55
